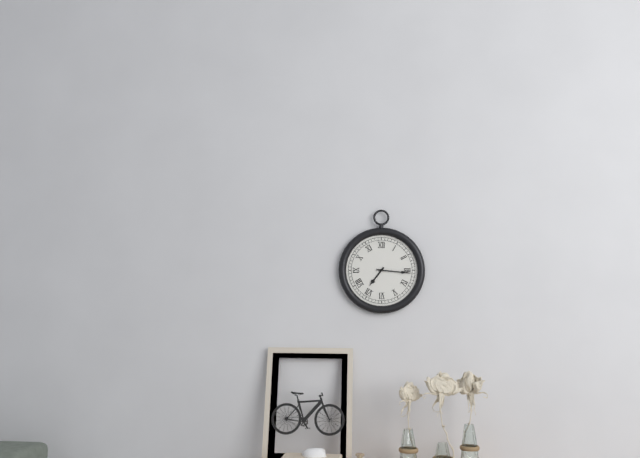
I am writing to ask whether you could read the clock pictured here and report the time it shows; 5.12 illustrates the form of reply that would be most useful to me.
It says 7.16
